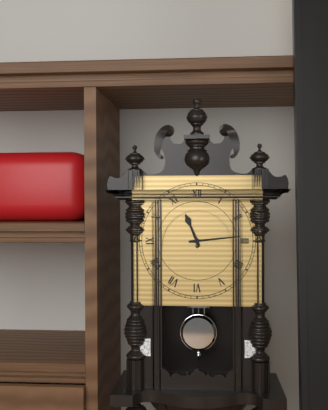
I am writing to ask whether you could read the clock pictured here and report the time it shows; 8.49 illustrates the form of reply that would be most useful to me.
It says 11.14
